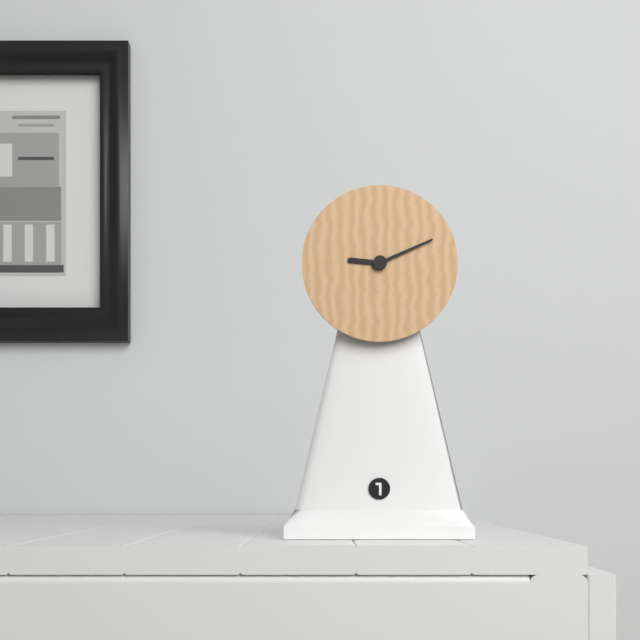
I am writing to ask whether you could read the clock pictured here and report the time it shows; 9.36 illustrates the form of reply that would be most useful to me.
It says 9.11
